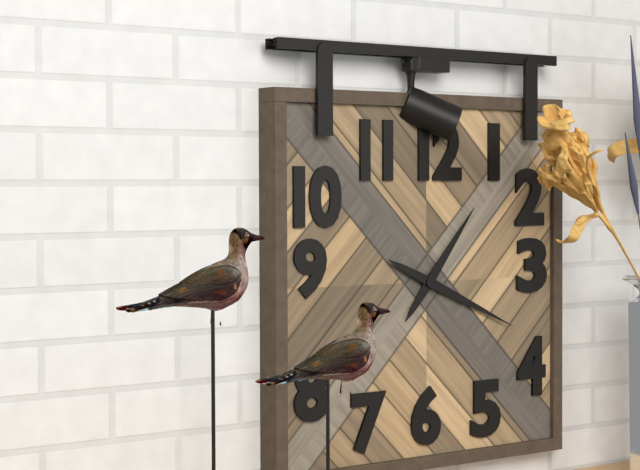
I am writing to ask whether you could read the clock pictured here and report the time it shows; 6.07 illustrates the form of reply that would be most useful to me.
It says 1.19
